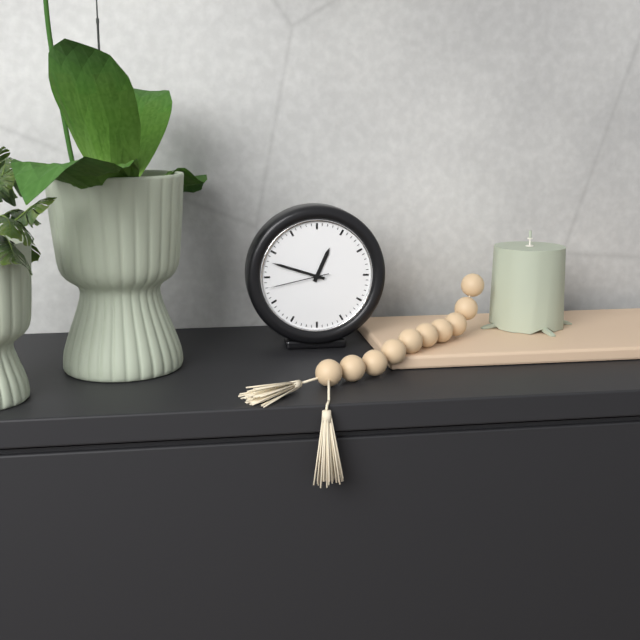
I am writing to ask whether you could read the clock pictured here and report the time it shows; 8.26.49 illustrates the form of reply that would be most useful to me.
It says 12.48.43
